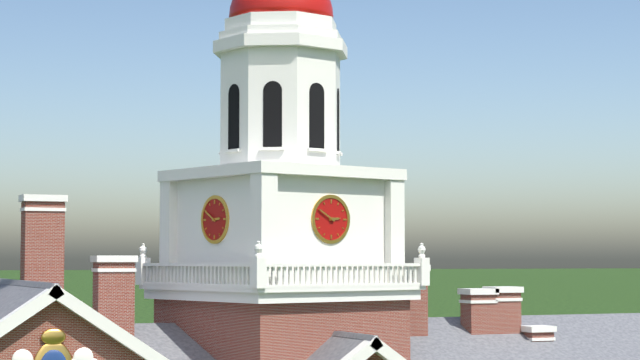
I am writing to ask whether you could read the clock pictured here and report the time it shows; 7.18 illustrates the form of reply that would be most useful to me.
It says 2.50
